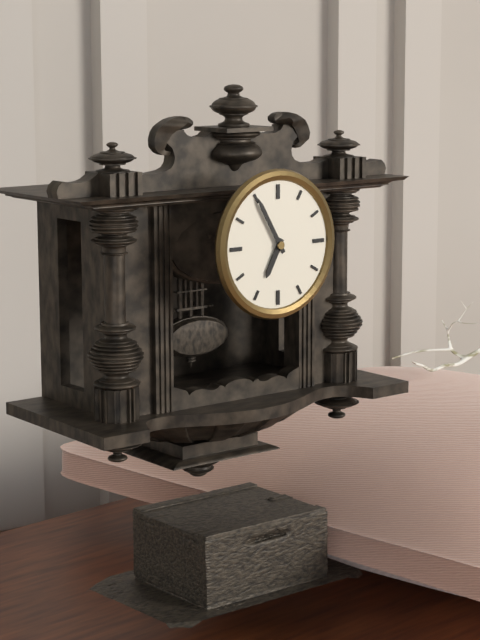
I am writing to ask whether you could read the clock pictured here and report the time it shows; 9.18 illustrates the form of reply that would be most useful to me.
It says 6.55
